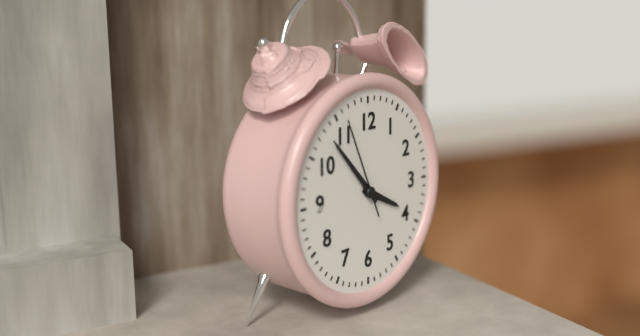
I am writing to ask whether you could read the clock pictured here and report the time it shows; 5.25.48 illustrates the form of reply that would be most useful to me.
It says 3.53.56
